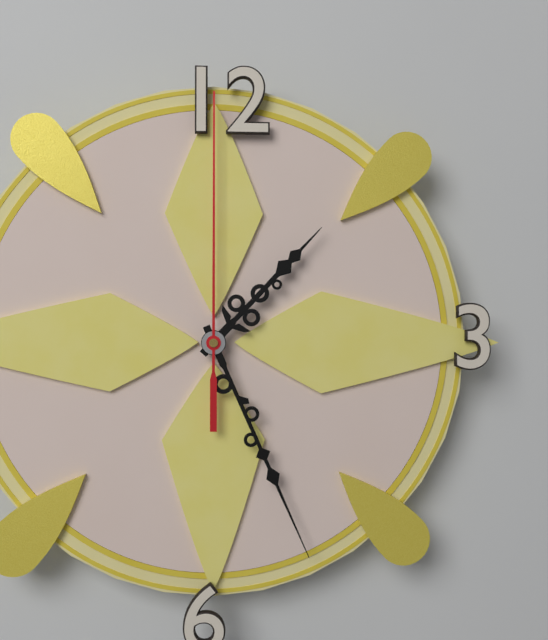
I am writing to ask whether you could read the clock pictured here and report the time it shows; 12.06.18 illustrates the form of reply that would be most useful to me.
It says 1.26.00
